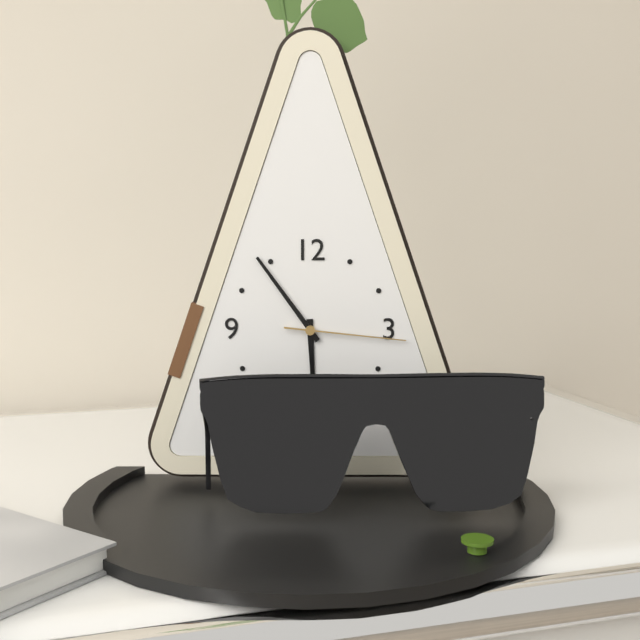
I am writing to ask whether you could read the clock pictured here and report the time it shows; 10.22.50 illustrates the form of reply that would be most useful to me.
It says 5.54.16
